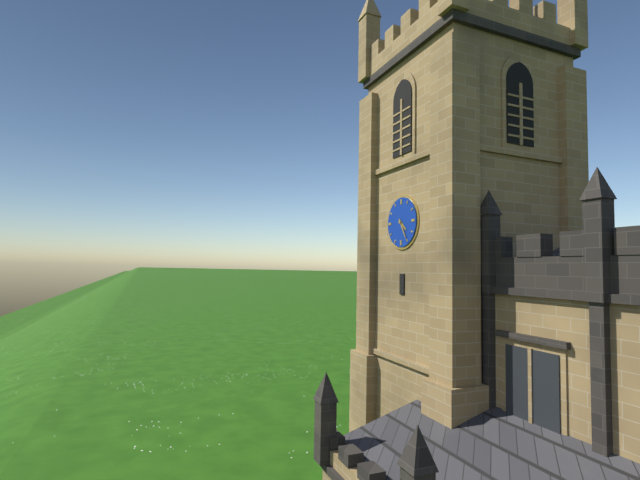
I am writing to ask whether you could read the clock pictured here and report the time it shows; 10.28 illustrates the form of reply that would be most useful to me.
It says 4.25
